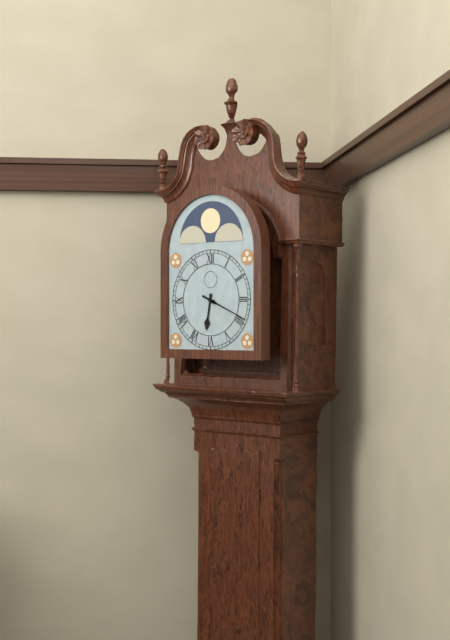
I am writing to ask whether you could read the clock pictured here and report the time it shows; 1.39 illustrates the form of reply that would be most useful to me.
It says 6.19
